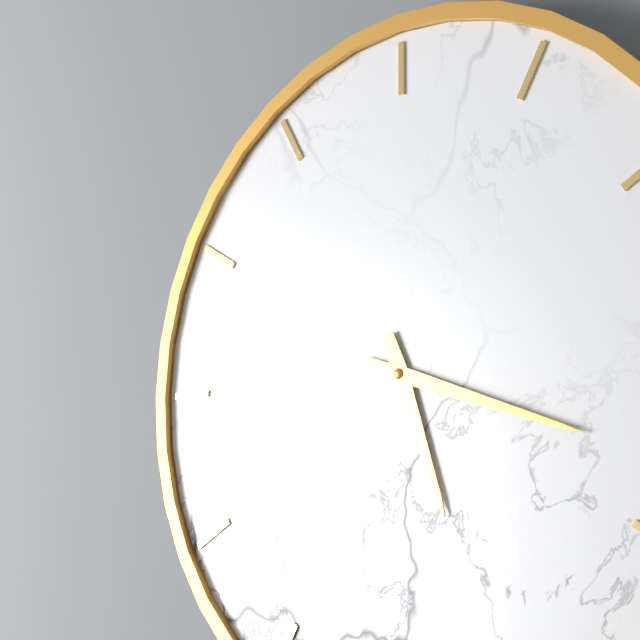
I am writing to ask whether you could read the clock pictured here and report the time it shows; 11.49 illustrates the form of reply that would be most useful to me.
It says 5.18
